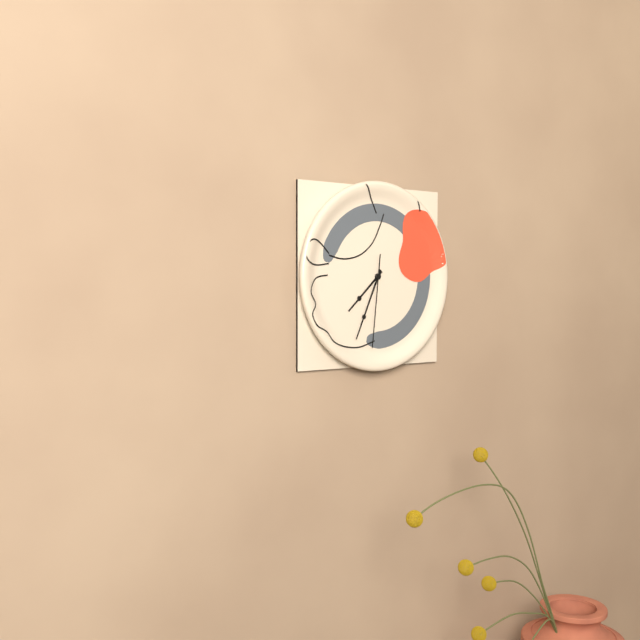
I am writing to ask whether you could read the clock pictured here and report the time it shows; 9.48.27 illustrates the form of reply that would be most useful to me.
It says 7.34.31
